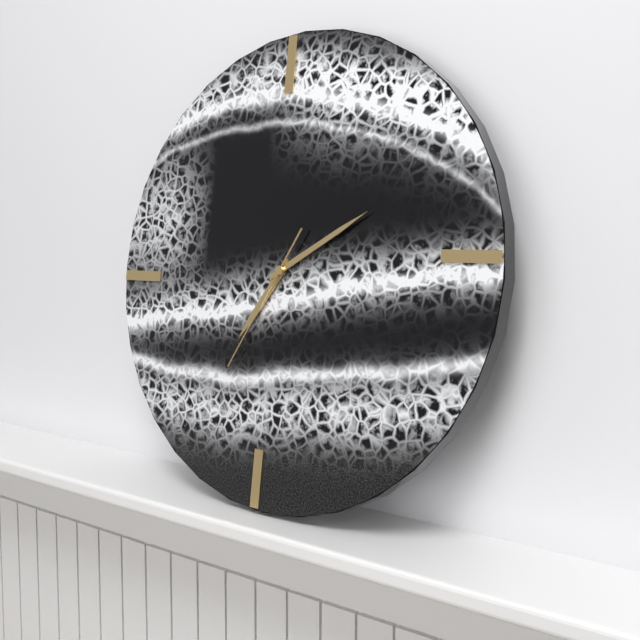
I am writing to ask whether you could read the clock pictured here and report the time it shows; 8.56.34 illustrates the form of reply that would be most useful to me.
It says 7.10.35
